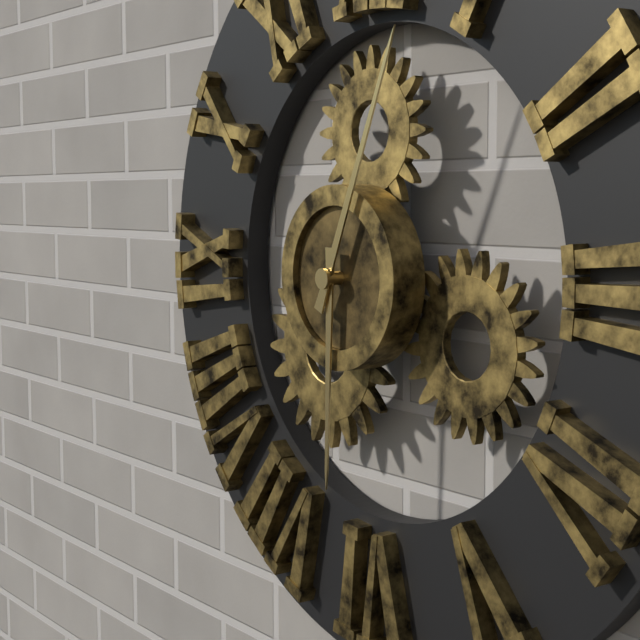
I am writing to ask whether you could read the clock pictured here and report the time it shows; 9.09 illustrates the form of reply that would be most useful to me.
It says 6.04
